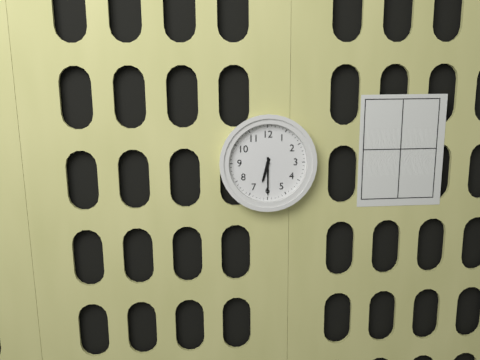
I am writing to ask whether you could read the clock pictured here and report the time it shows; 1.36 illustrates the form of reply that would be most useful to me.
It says 6.30
